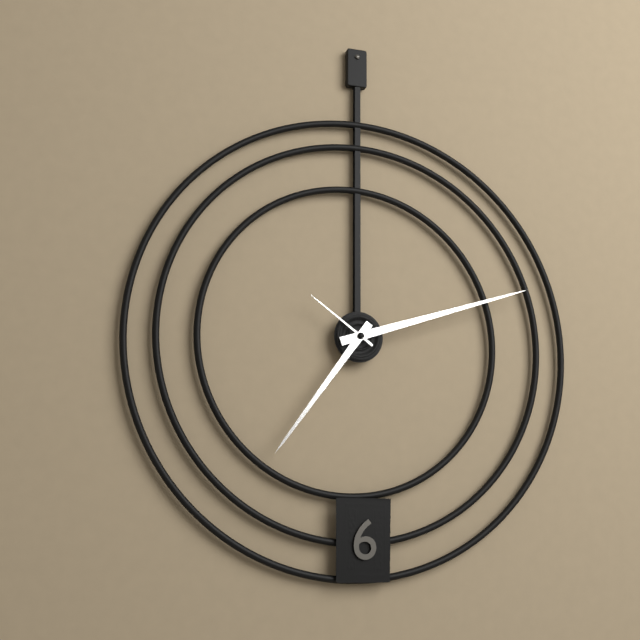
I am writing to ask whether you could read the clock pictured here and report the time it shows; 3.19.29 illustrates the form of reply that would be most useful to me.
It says 7.12.51
